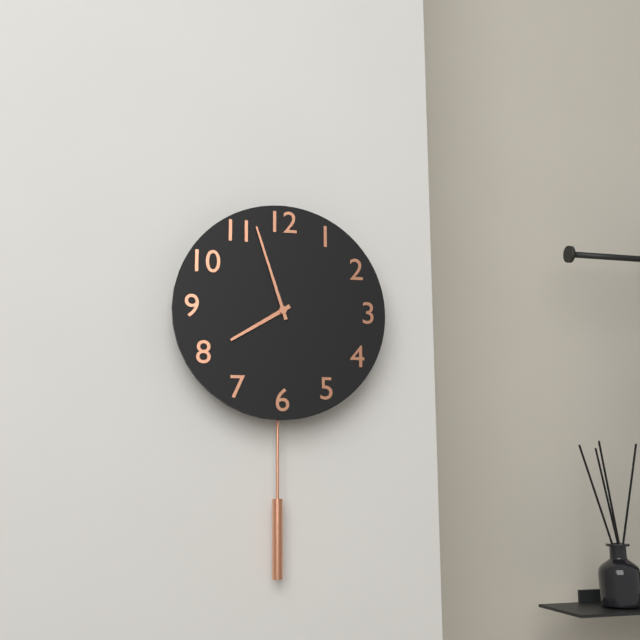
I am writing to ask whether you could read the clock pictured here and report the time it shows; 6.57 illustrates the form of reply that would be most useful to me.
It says 7.57
